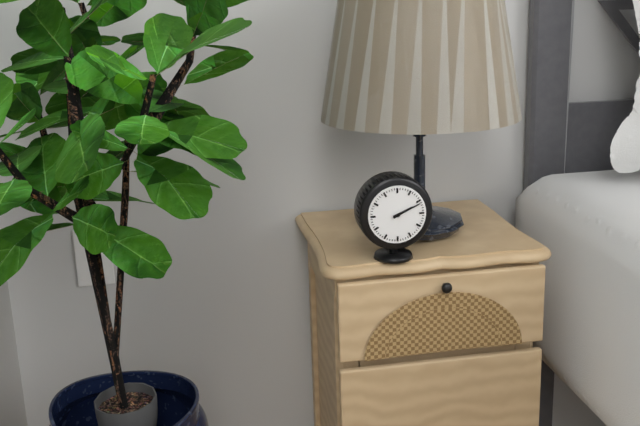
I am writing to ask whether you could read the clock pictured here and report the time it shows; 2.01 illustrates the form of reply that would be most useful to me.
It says 2.11
